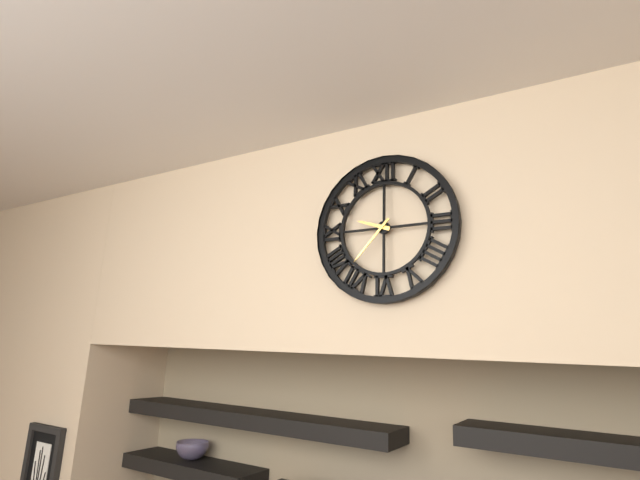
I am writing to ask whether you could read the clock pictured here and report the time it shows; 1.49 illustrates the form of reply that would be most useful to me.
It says 9.37
